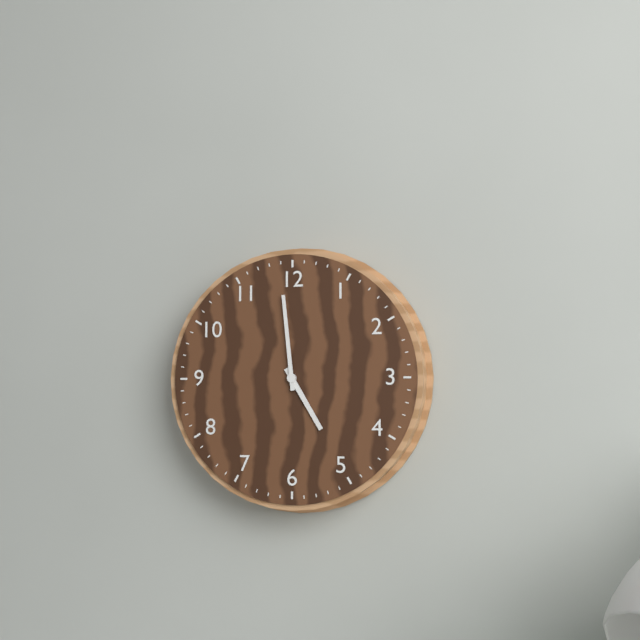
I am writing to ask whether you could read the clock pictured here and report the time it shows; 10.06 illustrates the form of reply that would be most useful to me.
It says 4.59
